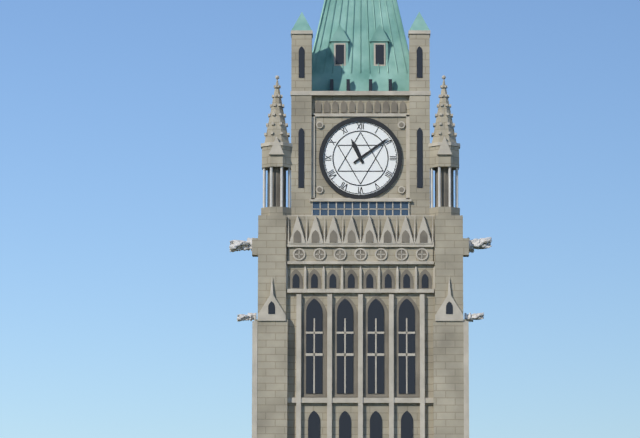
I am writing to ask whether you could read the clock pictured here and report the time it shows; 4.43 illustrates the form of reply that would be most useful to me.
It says 11.09
